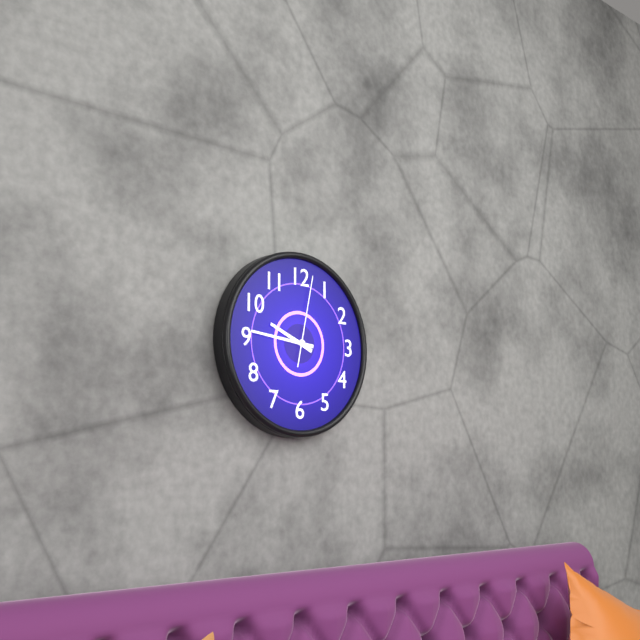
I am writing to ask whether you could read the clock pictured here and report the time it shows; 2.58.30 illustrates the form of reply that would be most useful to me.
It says 9.46.02
